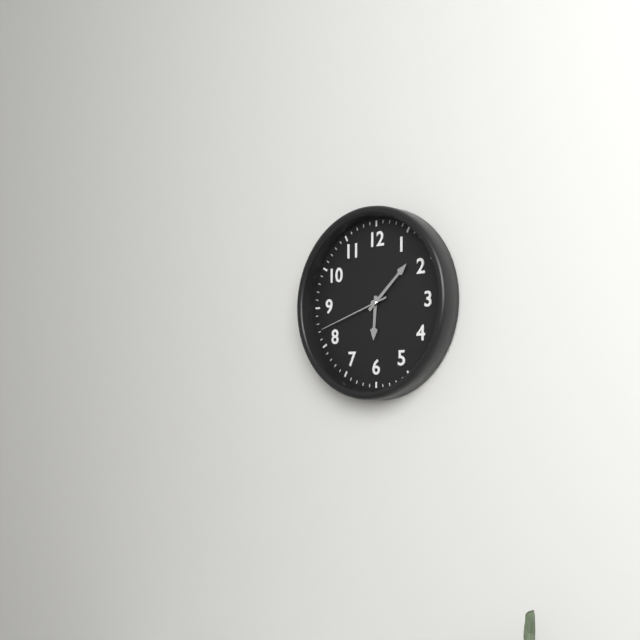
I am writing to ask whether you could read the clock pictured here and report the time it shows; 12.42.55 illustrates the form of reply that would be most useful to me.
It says 6.08.42
